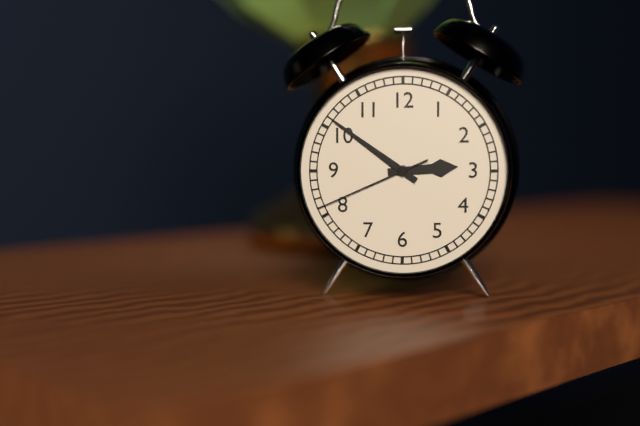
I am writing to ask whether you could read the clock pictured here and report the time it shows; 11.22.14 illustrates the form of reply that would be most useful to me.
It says 2.51.41
